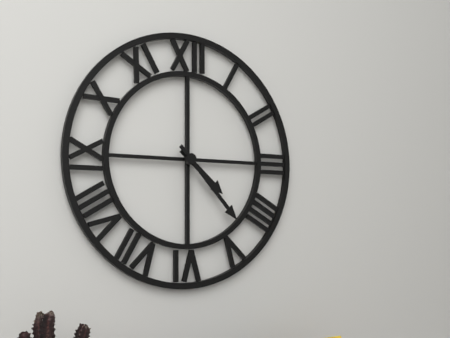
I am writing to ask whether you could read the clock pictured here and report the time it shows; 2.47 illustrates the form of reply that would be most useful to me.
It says 4.23
